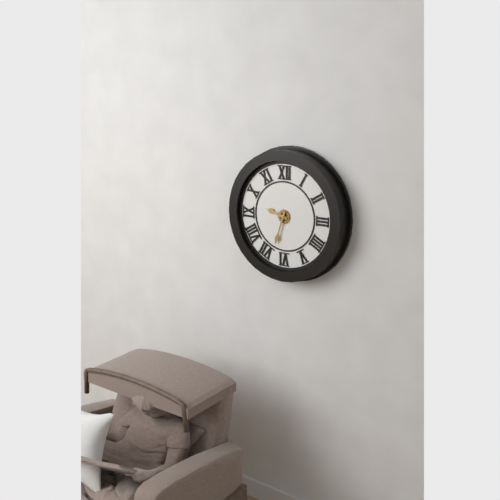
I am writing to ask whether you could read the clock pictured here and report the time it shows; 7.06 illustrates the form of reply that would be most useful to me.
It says 9.33
